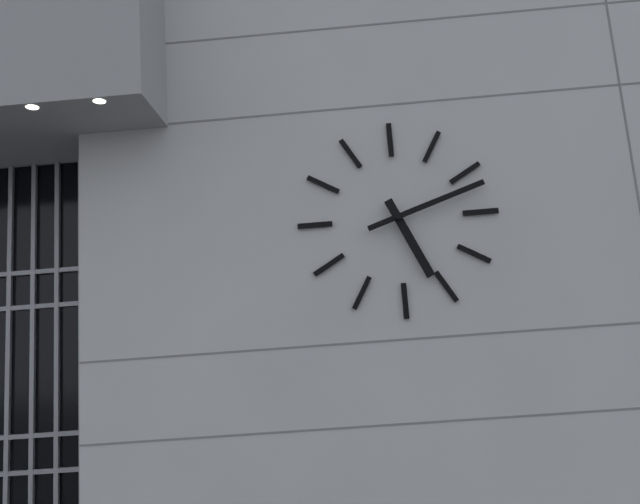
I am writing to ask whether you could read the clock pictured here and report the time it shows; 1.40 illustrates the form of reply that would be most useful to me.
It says 5.12
